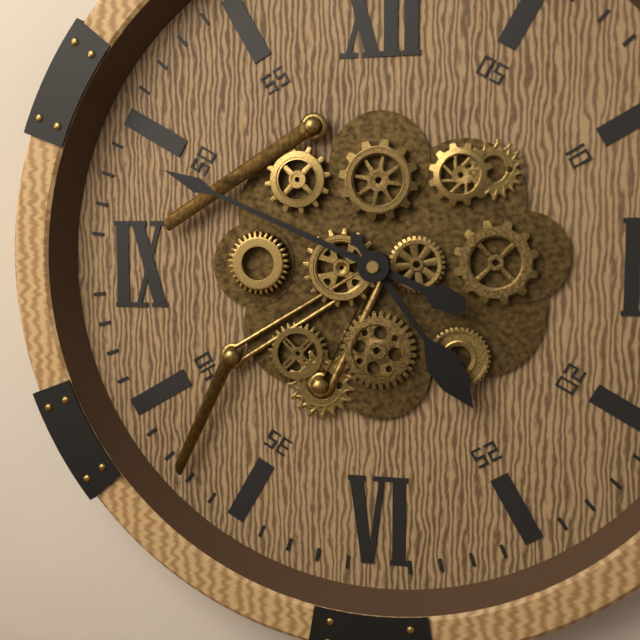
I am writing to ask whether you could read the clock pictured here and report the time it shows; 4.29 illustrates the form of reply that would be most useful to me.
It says 4.49
